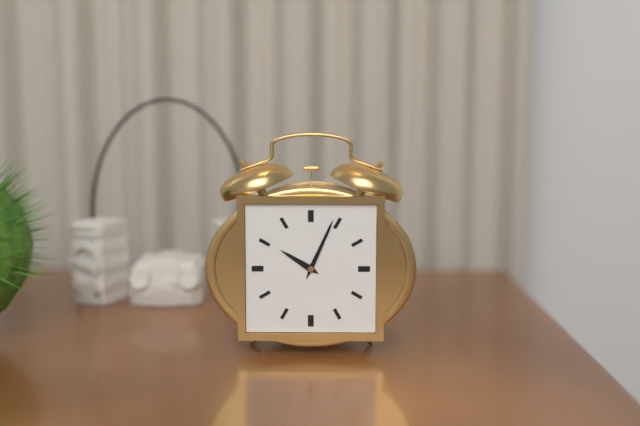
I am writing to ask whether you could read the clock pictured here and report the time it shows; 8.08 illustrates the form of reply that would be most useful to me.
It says 10.04
